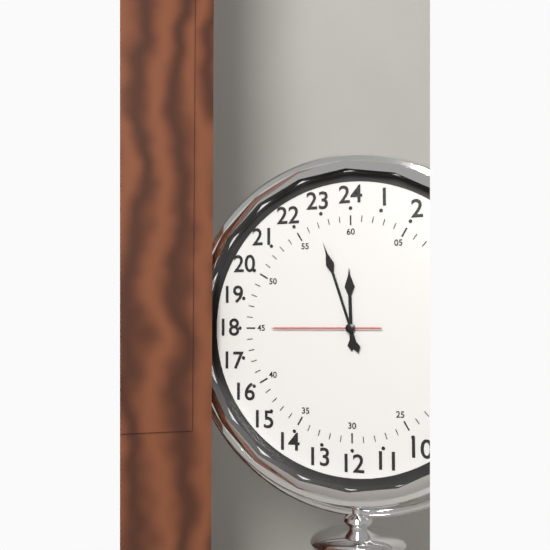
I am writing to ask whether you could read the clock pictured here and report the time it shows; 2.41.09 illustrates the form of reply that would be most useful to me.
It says 11.57.45
